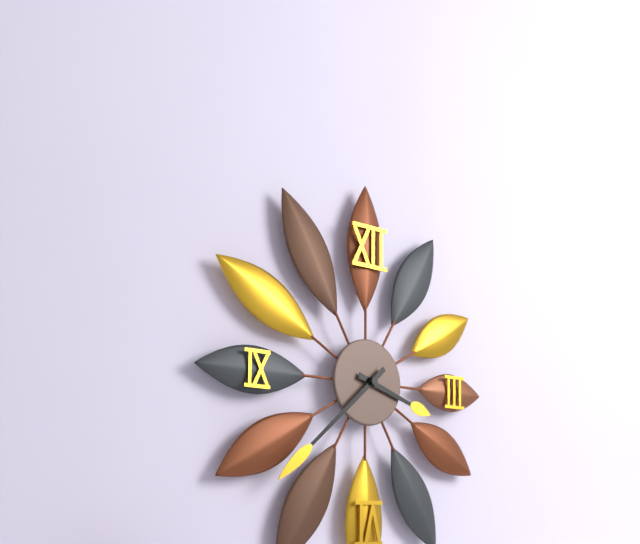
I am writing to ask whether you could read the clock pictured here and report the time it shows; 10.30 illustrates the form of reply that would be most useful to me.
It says 3.38
